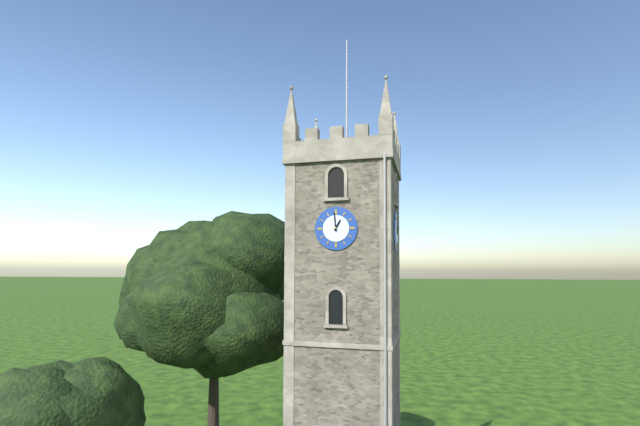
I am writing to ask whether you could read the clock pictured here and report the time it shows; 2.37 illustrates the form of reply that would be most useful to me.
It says 12.59
